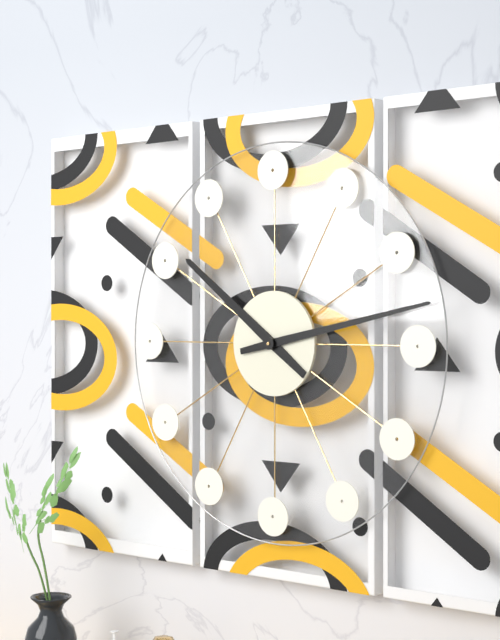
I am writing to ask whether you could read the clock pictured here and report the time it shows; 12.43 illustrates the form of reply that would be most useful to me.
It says 10.13
